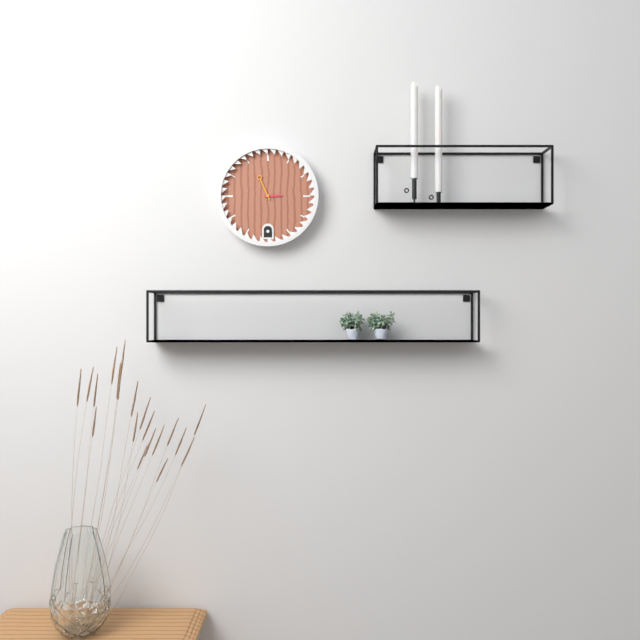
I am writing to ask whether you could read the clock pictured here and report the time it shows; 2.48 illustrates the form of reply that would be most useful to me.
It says 2.56
